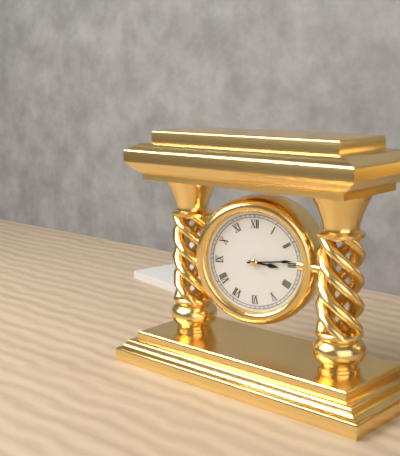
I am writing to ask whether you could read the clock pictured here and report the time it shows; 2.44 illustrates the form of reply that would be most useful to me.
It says 3.14
